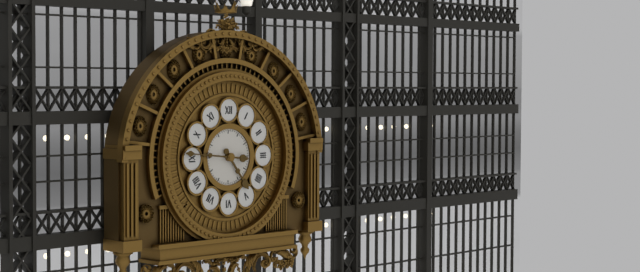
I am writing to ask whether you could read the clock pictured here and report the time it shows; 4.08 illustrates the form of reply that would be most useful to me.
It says 4.46
